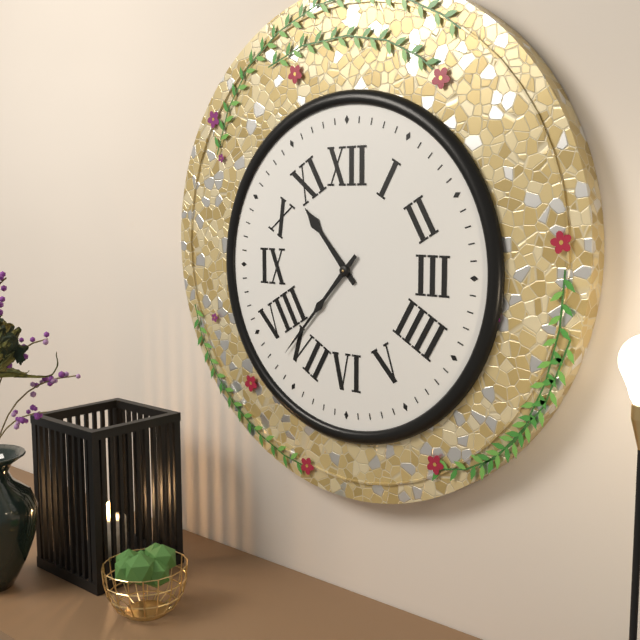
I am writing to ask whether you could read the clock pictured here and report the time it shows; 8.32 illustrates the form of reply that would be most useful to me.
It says 10.37
